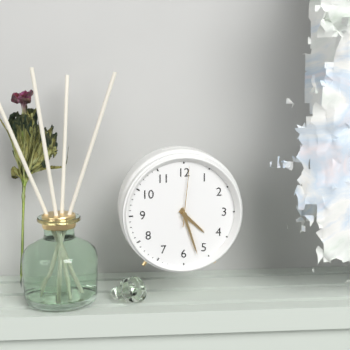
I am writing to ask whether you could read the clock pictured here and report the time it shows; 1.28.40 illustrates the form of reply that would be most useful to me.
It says 4.27.01
